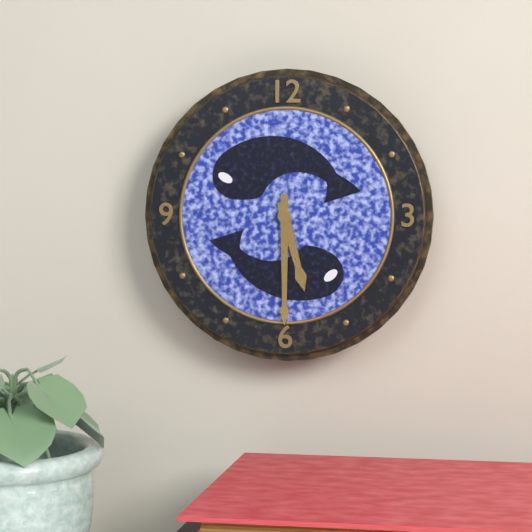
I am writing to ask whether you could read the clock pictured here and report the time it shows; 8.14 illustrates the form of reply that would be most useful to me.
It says 5.30
